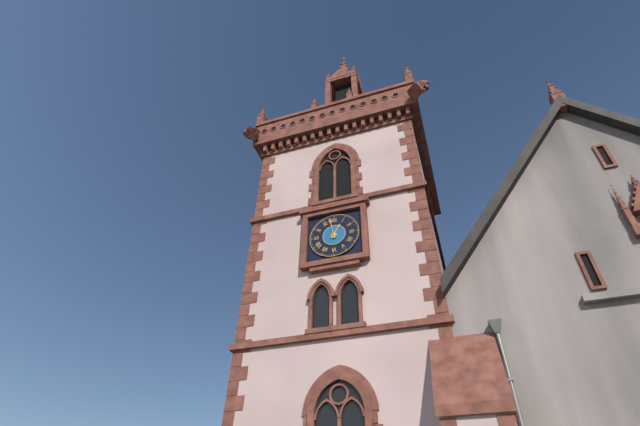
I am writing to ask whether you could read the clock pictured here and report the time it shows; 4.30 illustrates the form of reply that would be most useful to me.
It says 12.58
